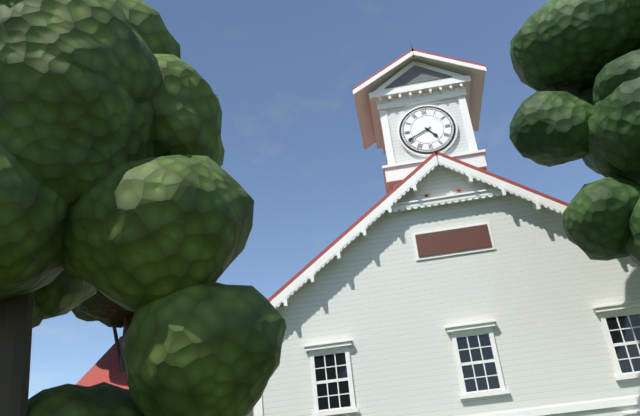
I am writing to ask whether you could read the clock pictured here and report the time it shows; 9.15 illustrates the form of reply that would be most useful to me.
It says 4.41
